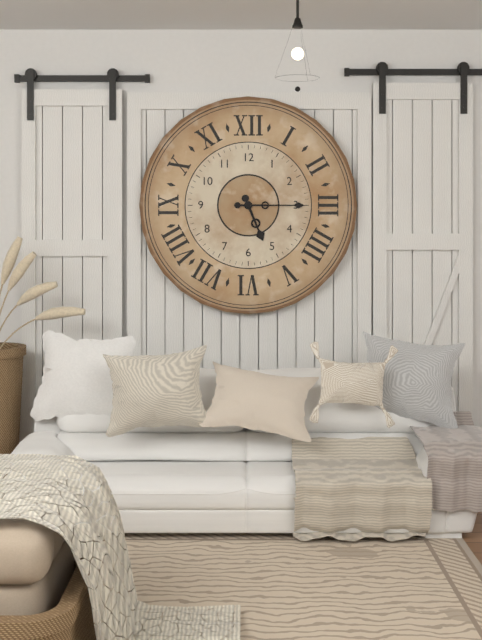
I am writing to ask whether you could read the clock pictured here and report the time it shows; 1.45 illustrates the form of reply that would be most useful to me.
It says 5.15
